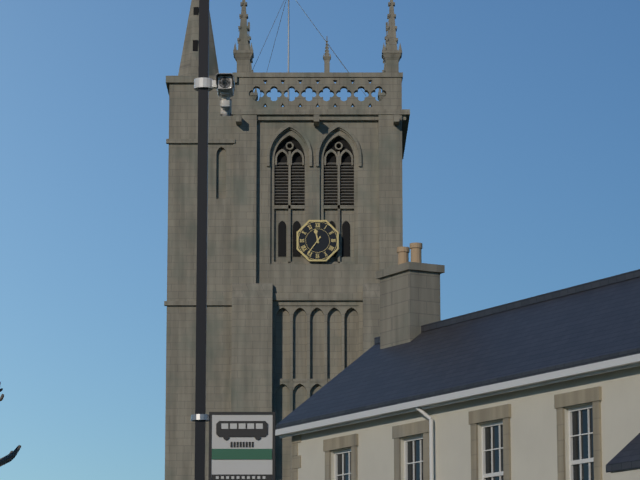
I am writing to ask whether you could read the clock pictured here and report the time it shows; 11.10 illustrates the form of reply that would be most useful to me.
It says 11.36
